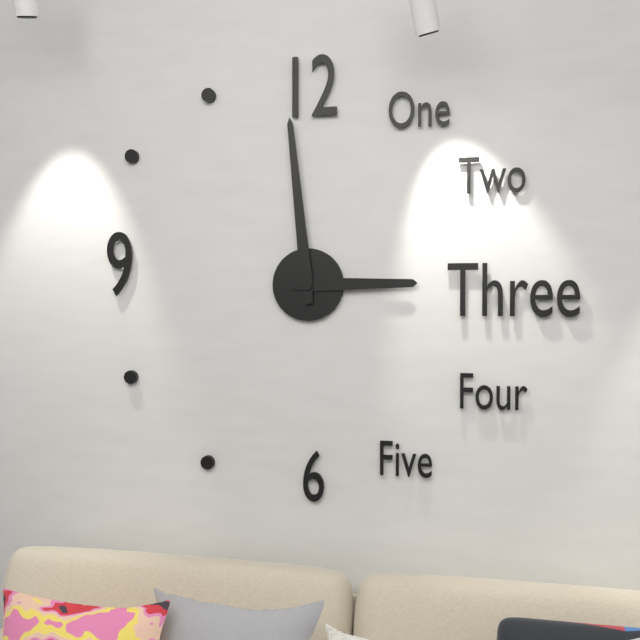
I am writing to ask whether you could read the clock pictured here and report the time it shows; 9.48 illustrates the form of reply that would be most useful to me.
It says 2.59
